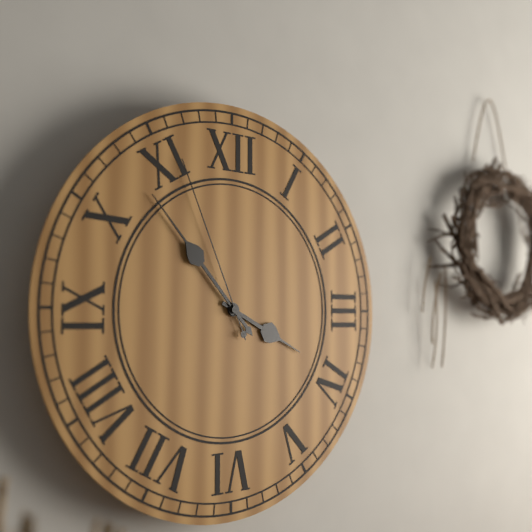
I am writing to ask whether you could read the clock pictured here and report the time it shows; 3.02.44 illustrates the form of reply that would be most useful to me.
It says 3.53.56
